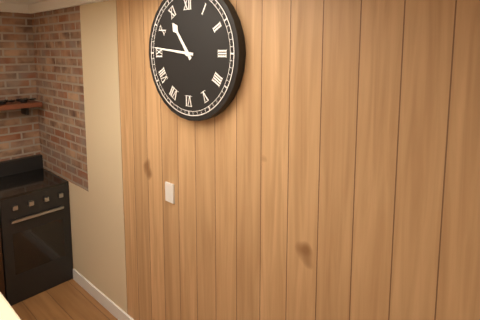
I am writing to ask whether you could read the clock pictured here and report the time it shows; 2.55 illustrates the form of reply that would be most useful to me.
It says 10.46
